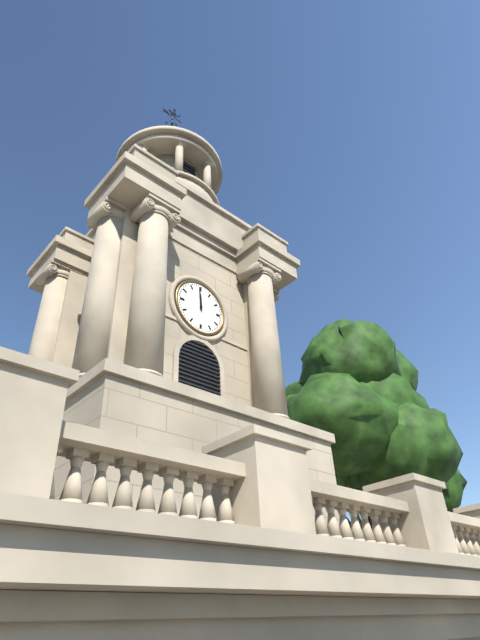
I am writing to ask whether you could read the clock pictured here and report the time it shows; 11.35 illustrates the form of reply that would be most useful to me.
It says 11.59
